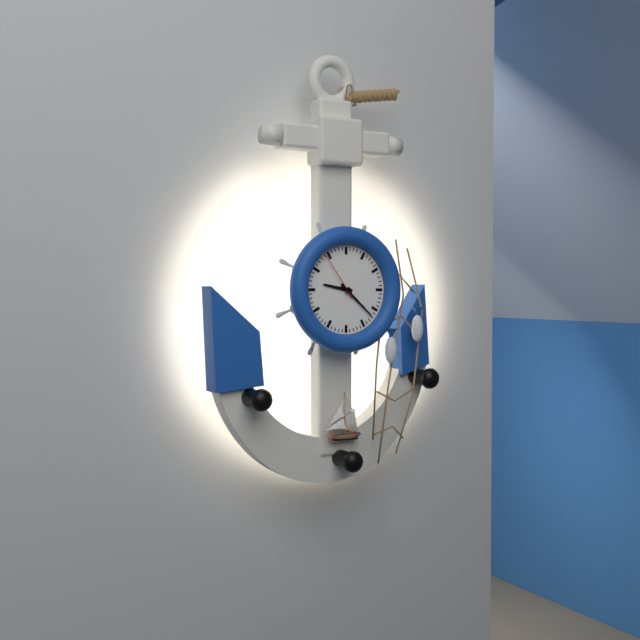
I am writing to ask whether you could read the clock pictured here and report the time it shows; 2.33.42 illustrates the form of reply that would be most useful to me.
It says 9.22.54
